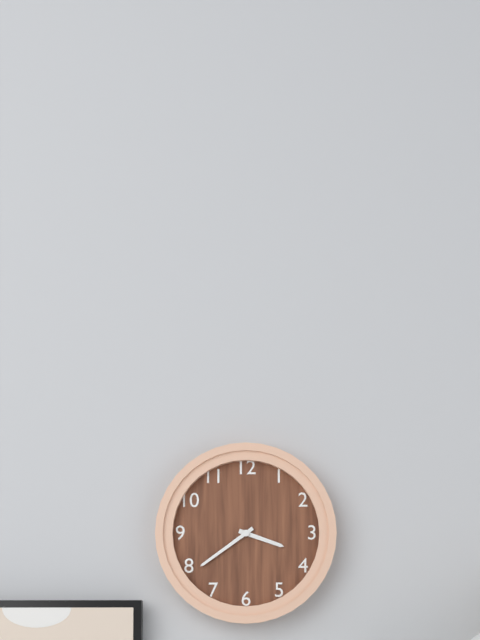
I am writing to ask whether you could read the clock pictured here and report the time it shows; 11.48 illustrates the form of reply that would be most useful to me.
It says 3.39
